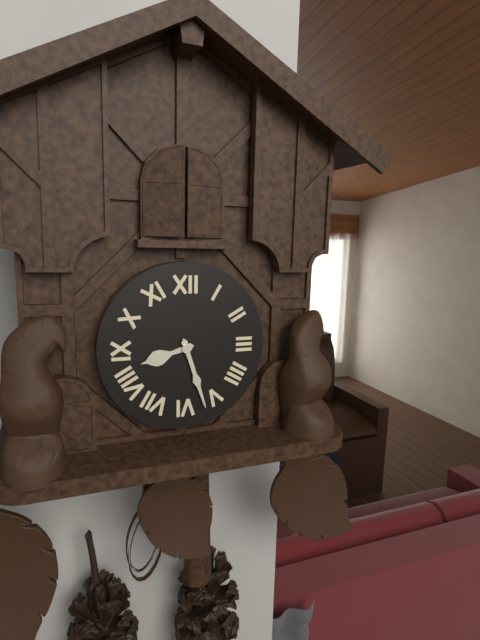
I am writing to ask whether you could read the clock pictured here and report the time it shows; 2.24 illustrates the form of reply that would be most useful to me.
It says 8.27
